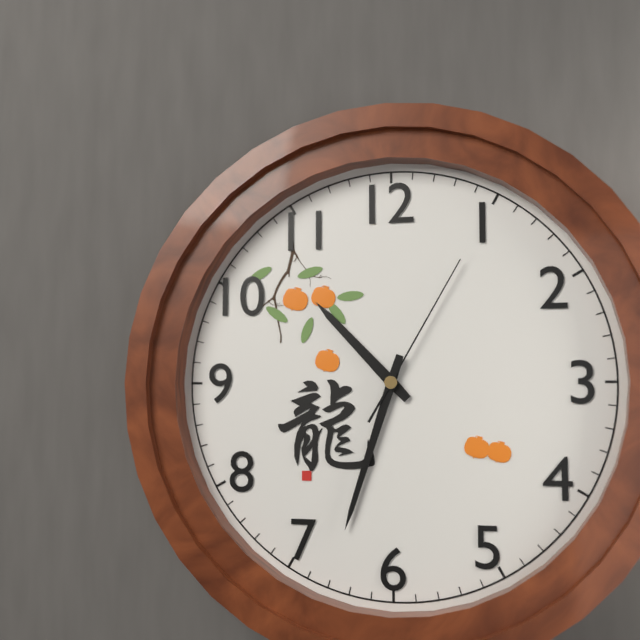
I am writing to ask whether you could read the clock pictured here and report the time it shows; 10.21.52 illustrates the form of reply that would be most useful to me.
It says 10.33.05
